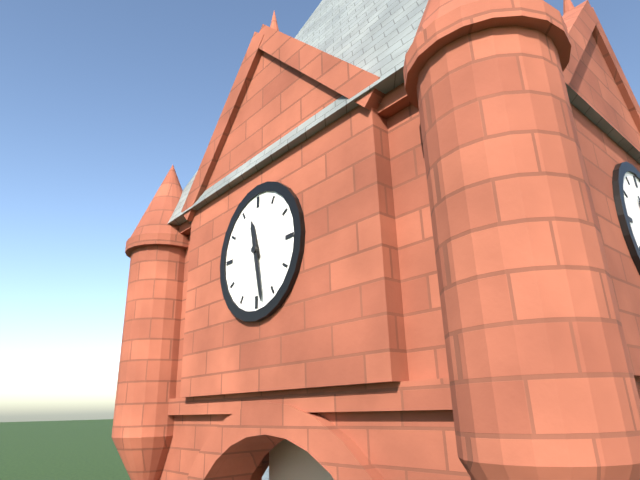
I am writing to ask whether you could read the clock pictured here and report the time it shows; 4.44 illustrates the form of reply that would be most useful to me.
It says 11.28
